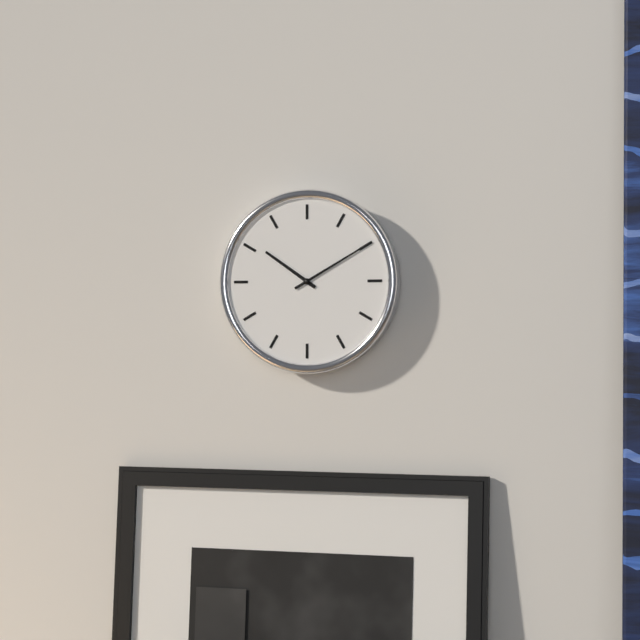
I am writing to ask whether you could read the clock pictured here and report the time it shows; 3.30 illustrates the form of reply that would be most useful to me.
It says 10.10
